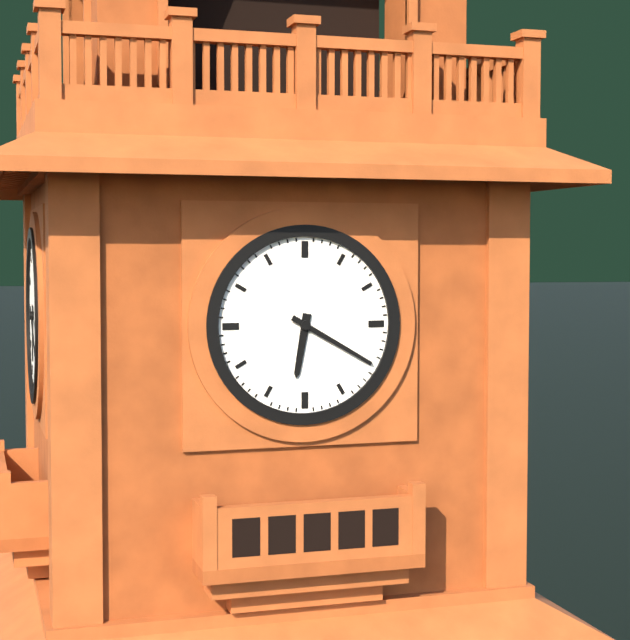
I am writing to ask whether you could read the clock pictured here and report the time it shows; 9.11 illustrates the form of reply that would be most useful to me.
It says 6.20
